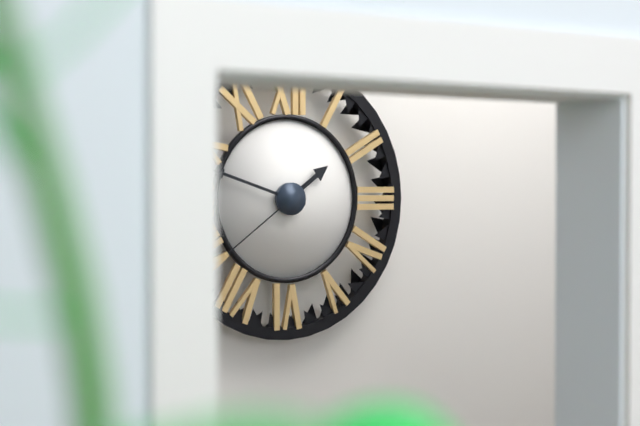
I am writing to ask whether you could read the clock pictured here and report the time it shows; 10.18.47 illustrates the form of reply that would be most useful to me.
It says 1.48.39
